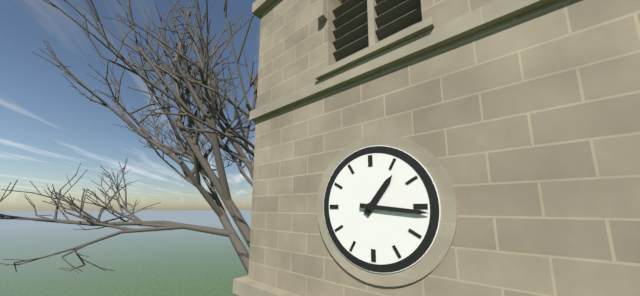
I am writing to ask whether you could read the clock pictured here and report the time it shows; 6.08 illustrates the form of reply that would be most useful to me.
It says 1.16
